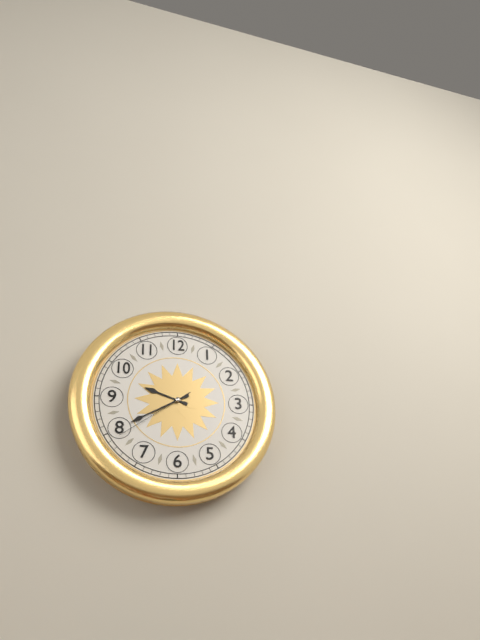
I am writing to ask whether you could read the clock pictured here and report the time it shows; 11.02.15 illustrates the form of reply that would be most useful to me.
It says 9.40.39
